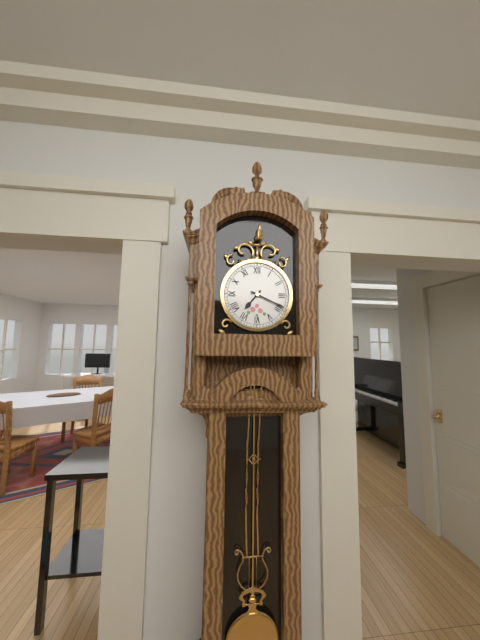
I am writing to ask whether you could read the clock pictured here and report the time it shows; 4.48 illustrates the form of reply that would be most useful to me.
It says 7.19
